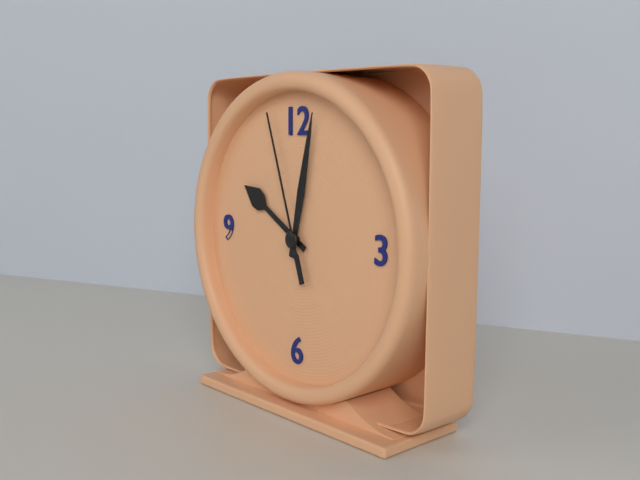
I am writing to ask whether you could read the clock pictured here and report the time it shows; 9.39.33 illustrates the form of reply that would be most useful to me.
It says 10.02.57
